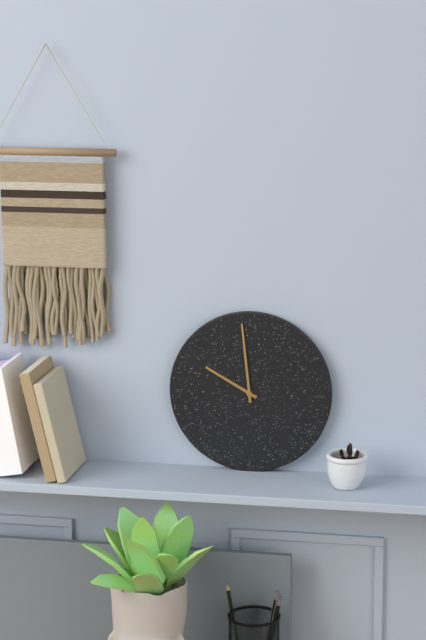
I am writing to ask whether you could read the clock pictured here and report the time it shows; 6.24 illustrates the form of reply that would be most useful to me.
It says 9.59
